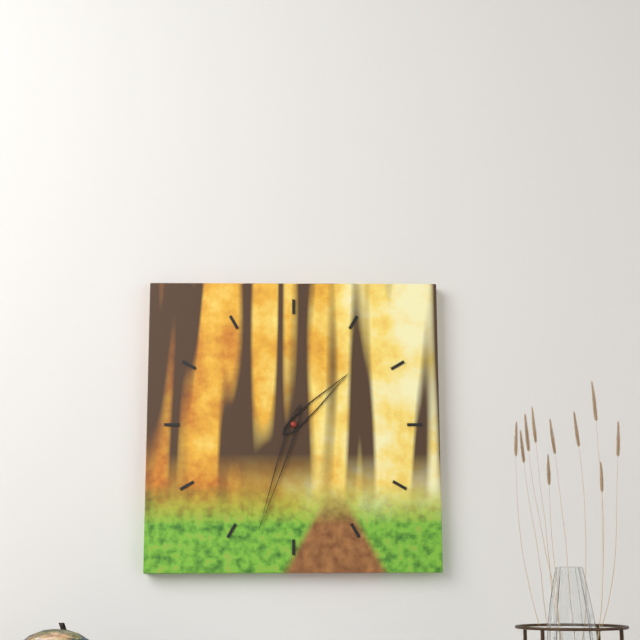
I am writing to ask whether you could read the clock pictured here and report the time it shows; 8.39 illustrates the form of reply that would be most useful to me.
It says 1.33
